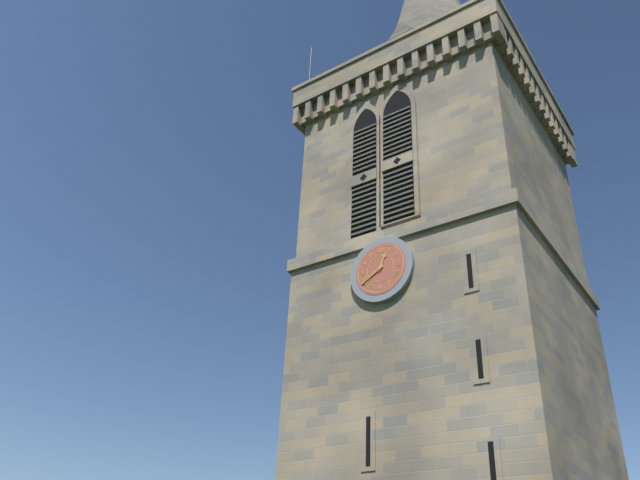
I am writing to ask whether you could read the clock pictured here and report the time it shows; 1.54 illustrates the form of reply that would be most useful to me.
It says 12.40
